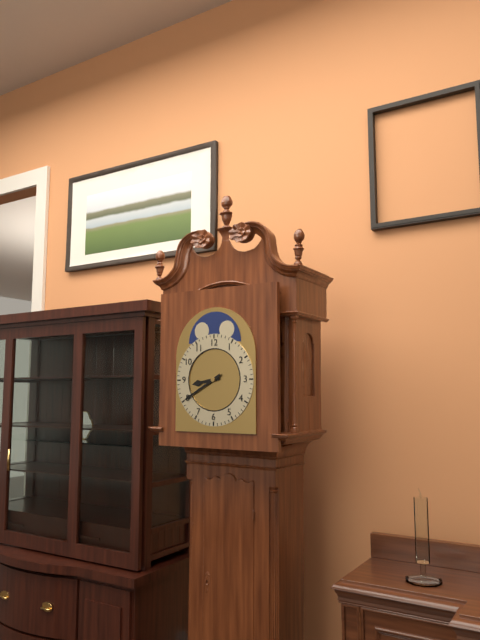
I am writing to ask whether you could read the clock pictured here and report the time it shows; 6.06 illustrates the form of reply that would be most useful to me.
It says 8.40
